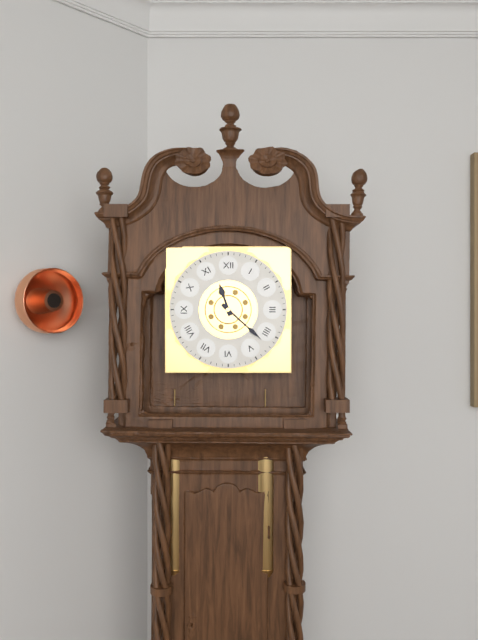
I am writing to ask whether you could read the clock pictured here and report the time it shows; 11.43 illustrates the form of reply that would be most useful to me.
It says 11.22
